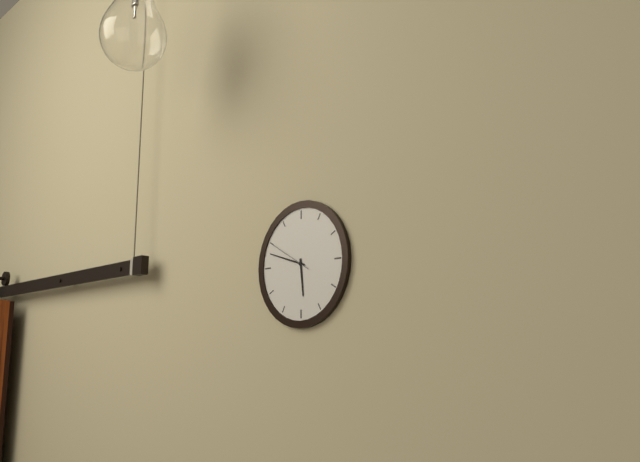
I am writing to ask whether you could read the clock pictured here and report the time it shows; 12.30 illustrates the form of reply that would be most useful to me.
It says 5.48
